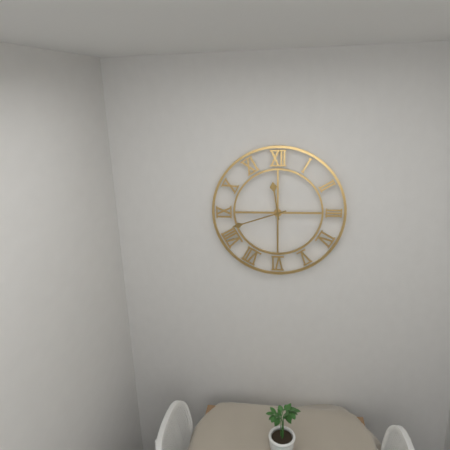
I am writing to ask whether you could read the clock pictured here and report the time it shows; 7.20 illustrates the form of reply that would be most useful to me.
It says 11.42
